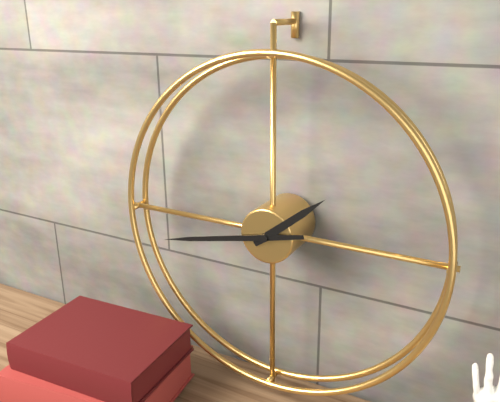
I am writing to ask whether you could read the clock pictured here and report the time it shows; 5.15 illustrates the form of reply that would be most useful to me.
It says 1.43
